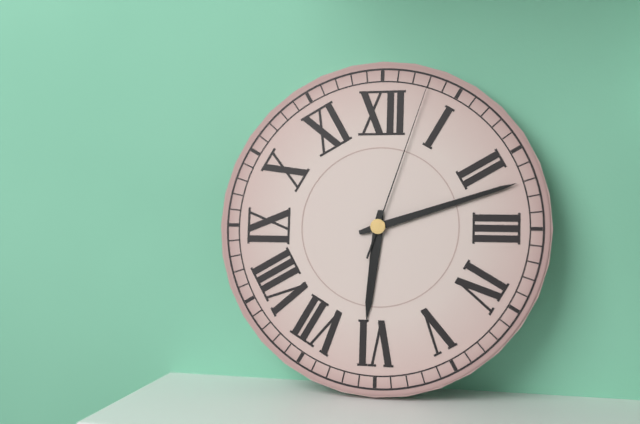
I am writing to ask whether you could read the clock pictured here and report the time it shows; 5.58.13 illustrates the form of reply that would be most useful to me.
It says 6.12.03
